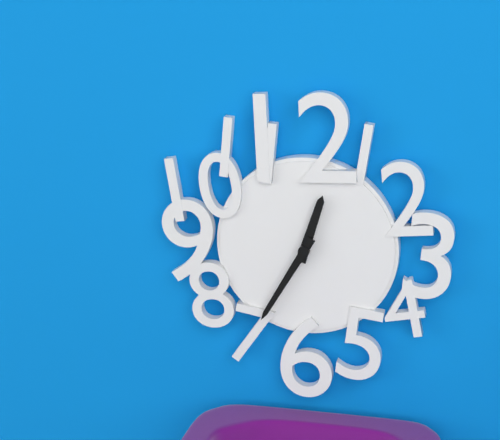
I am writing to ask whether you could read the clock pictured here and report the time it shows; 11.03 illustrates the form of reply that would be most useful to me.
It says 12.35
